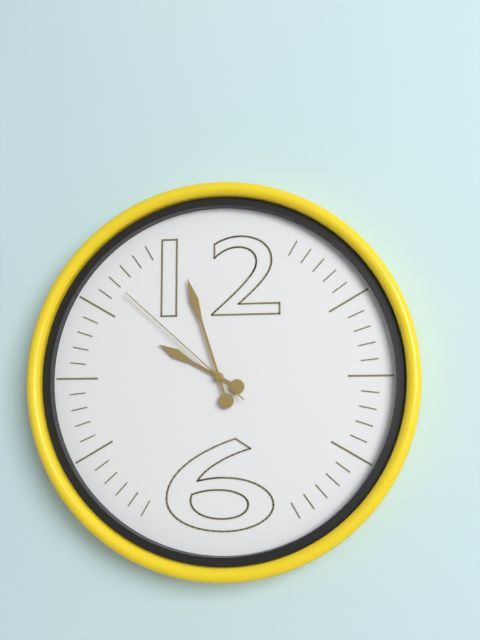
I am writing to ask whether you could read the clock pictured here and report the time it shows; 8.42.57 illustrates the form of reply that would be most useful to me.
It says 9.57.52
